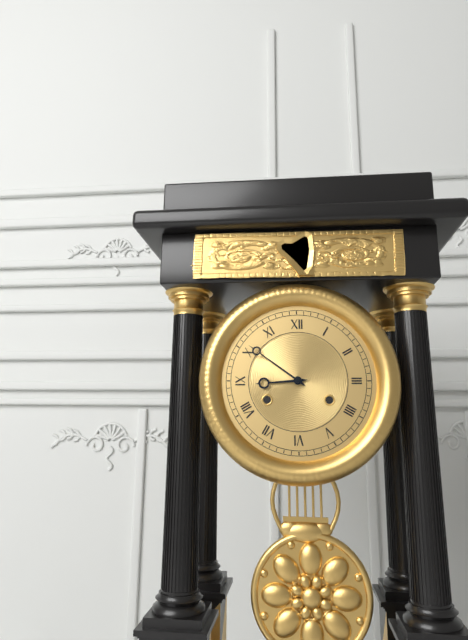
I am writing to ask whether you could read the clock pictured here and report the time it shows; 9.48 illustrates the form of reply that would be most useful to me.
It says 8.51
